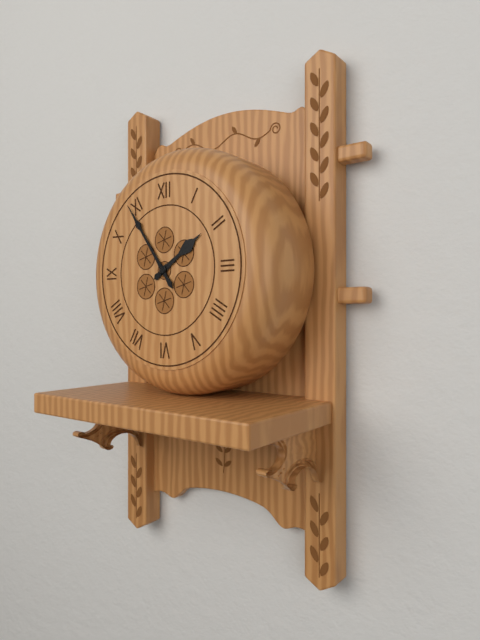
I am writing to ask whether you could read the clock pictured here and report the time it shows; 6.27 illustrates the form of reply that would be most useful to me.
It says 1.54
